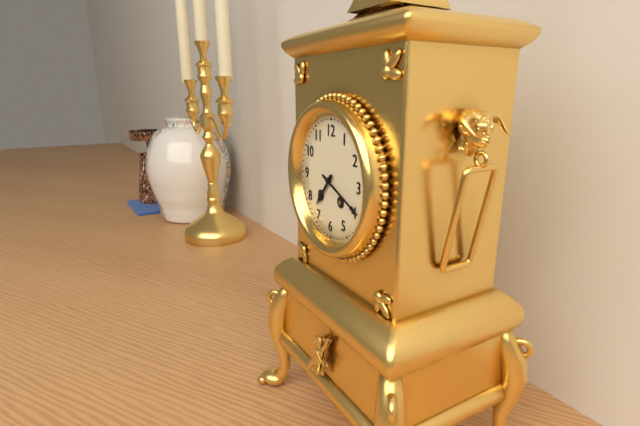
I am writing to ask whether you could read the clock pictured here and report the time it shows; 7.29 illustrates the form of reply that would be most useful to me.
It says 7.19
